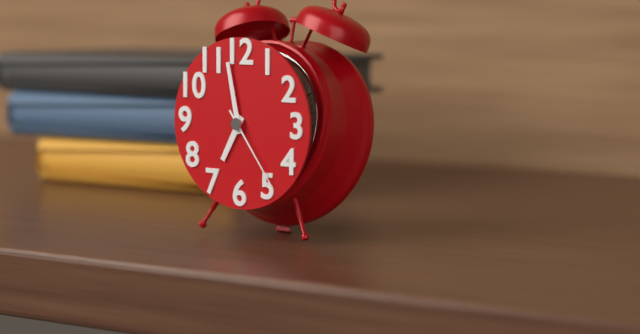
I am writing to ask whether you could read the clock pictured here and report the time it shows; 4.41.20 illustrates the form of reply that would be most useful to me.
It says 6.58.24
